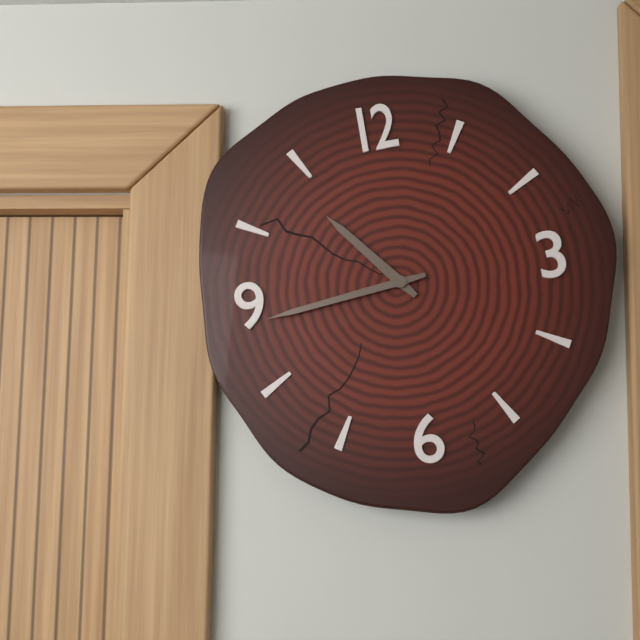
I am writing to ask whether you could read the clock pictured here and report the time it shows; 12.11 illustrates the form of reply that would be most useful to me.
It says 10.44
